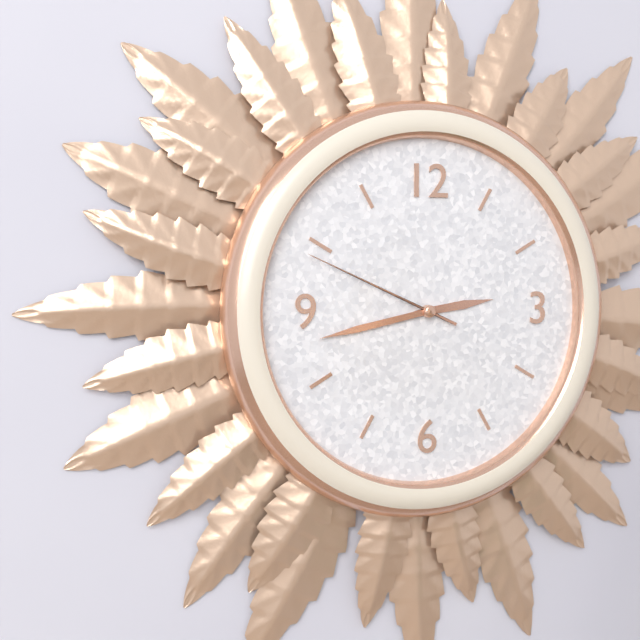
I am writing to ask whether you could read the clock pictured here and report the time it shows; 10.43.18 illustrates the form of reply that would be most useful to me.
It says 2.43.49
